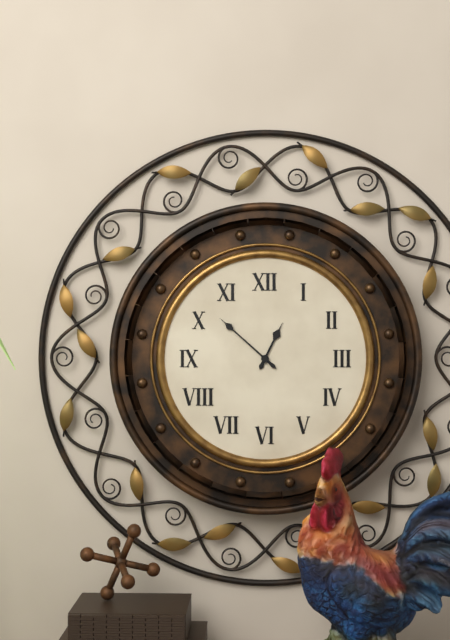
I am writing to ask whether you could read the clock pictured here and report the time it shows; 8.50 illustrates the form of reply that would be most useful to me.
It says 12.52
